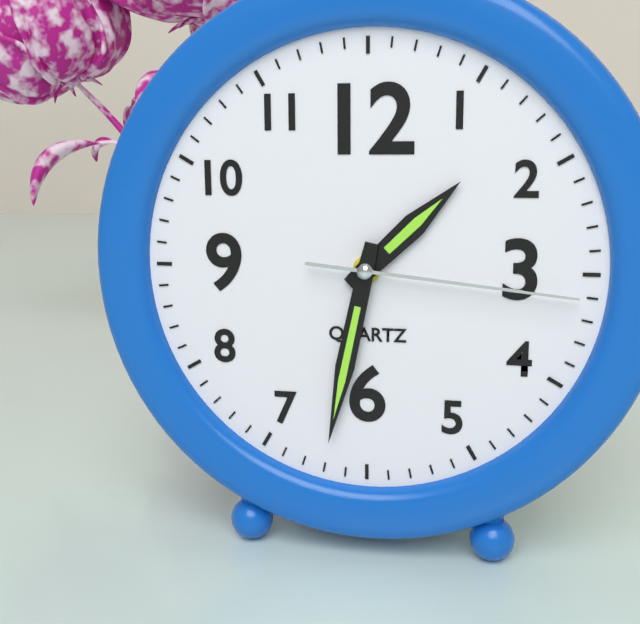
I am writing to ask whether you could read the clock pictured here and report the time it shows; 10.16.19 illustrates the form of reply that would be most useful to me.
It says 1.32.16
